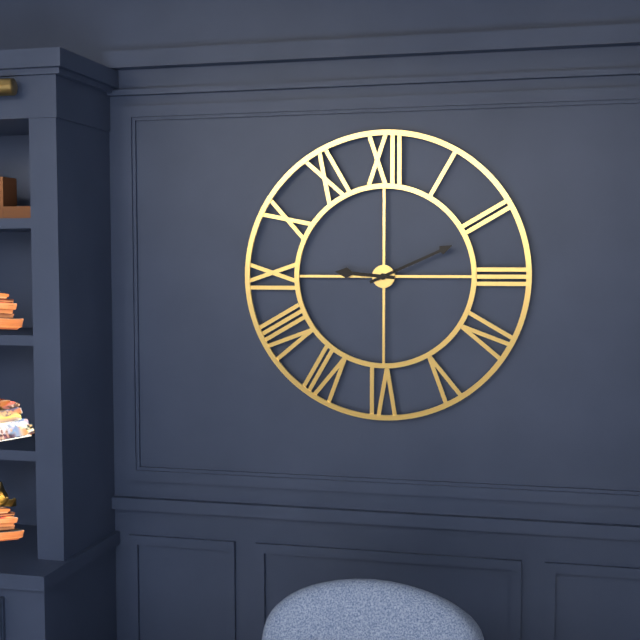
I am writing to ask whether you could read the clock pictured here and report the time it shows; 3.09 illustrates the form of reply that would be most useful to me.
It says 9.11
